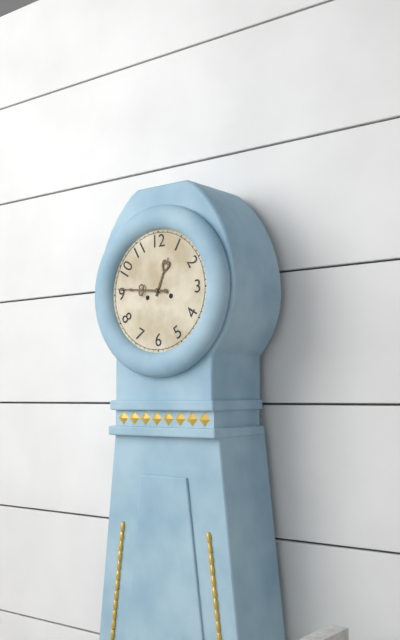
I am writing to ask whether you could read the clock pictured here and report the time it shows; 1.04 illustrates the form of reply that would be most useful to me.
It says 12.46
